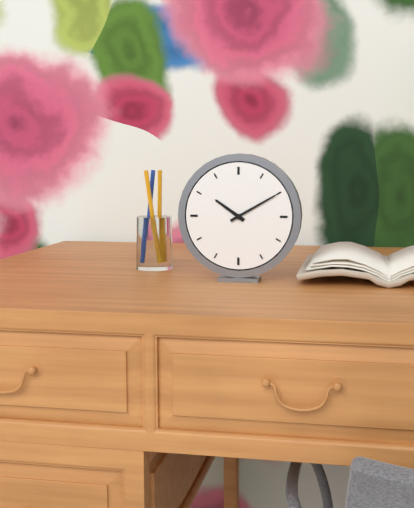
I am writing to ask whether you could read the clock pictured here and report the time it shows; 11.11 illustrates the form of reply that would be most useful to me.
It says 10.10
